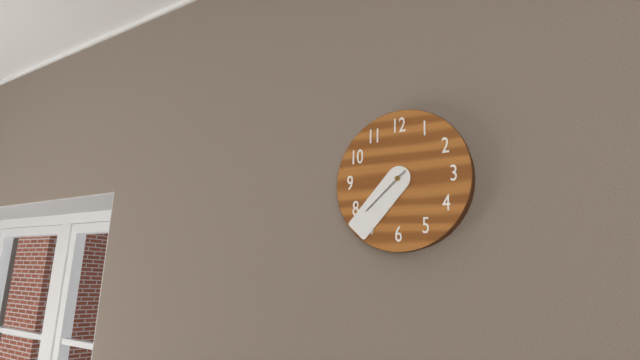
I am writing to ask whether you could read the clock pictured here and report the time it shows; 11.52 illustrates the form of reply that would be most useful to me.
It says 7.37
